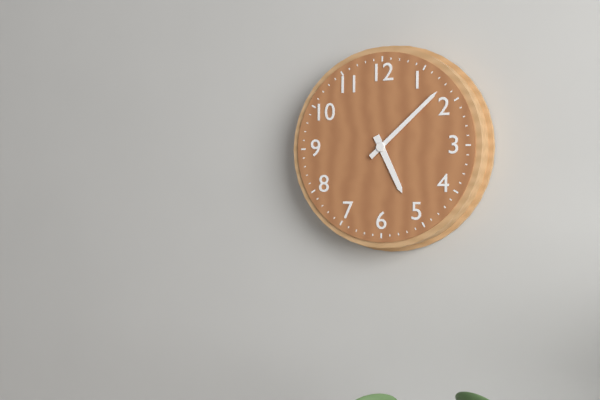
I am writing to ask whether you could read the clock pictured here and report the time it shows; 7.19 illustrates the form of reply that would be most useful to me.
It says 5.08
